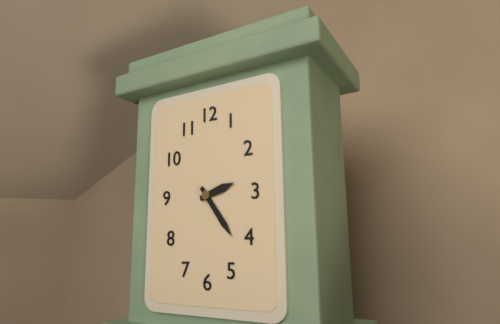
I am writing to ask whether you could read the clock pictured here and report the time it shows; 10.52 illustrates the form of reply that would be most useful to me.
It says 2.24
